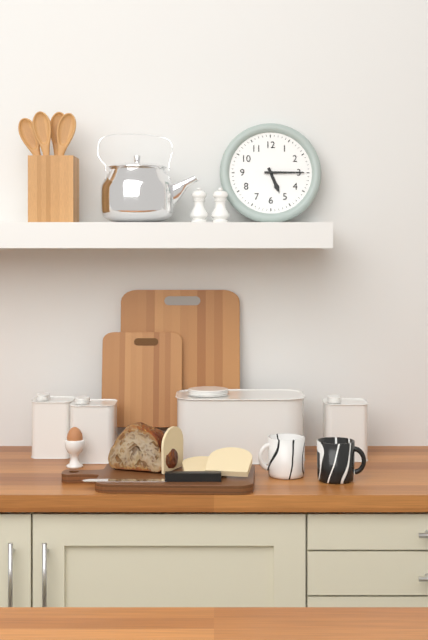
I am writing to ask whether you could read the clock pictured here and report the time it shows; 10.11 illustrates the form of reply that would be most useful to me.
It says 5.15
